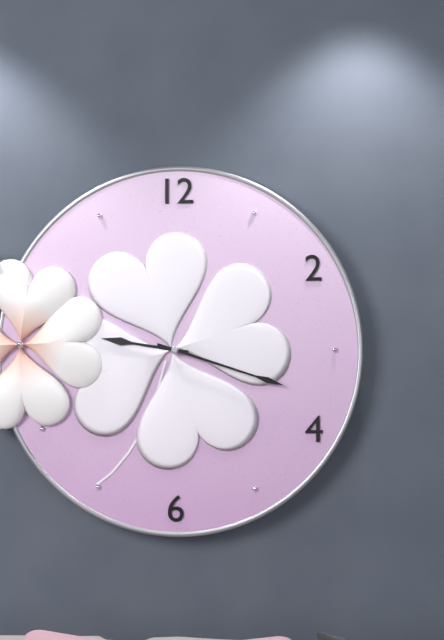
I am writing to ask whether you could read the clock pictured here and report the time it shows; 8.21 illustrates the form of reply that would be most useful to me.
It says 9.18
